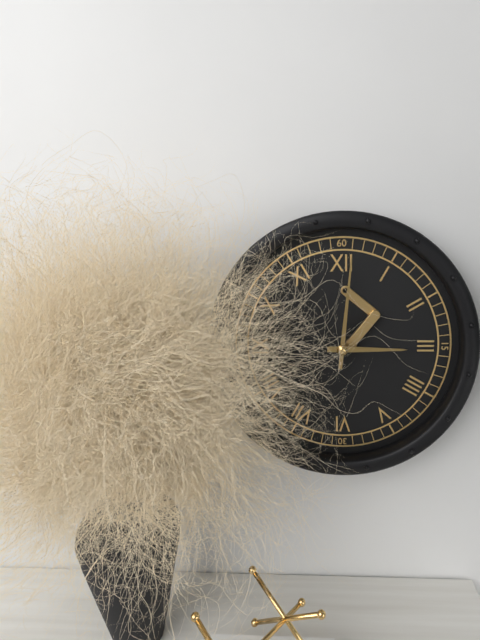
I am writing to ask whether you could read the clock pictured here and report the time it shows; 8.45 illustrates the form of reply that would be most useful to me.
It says 3.01
